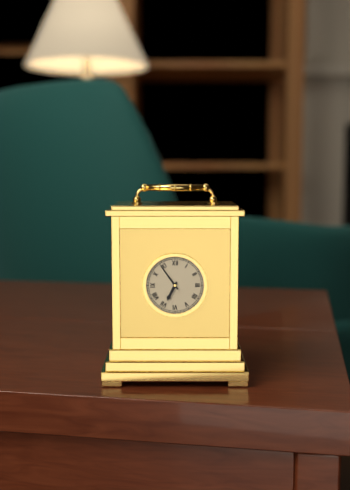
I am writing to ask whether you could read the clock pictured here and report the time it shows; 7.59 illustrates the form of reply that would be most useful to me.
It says 6.54
